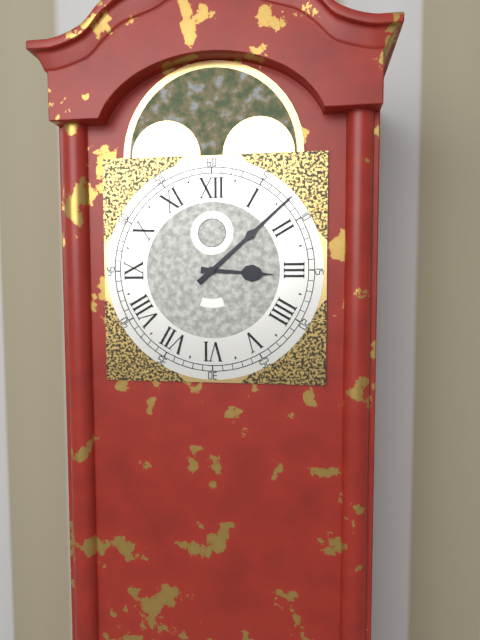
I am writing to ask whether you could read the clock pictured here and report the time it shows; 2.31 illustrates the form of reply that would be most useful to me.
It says 3.08
